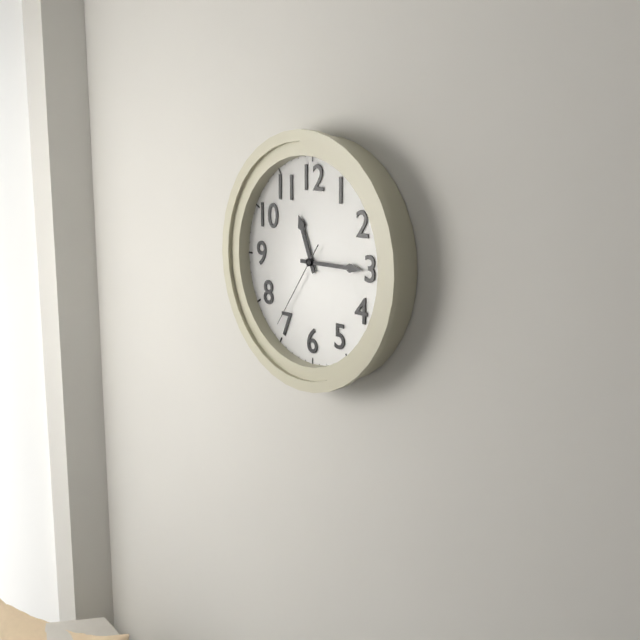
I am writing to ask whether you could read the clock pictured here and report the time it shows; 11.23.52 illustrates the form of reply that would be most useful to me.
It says 11.15.36
